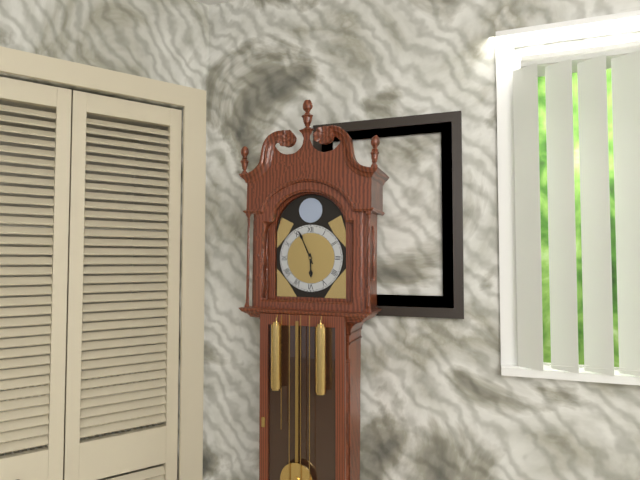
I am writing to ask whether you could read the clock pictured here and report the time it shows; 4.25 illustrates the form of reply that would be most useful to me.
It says 5.56
